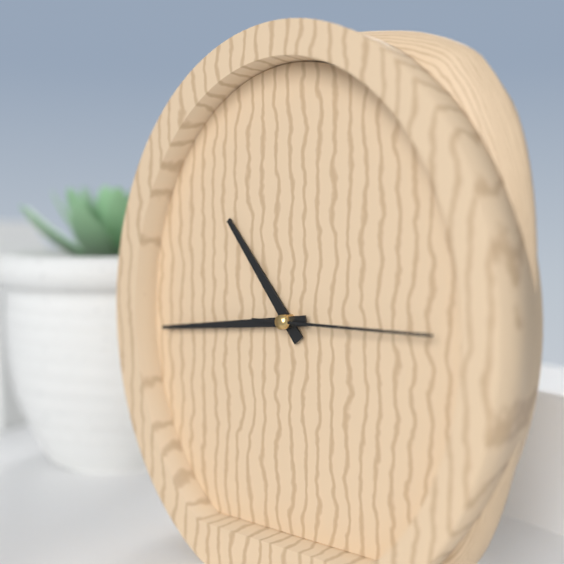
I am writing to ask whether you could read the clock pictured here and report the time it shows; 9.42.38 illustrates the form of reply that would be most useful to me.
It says 10.44.15
